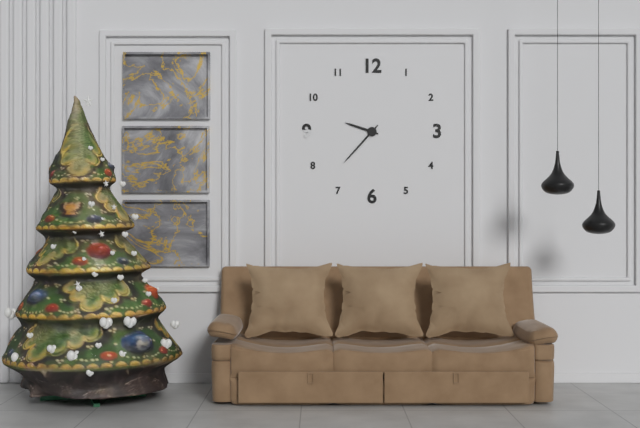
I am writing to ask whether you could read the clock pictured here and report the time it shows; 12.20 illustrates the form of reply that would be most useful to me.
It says 9.37
